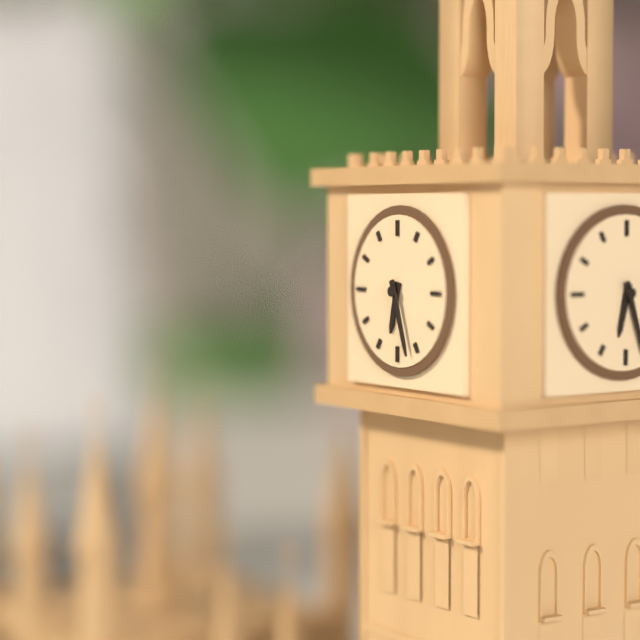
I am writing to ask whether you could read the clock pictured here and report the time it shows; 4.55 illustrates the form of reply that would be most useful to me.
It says 6.27
